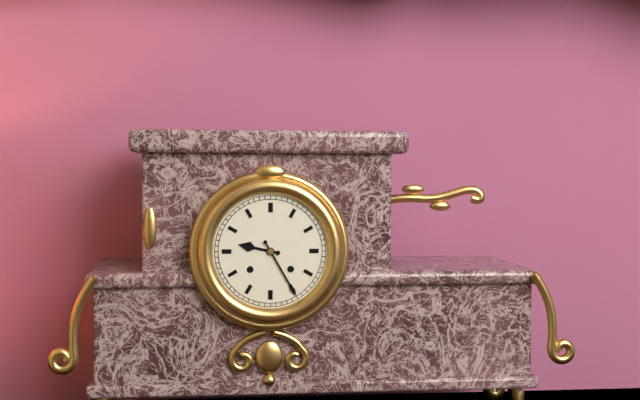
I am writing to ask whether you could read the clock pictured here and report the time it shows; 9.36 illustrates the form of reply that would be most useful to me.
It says 9.25
